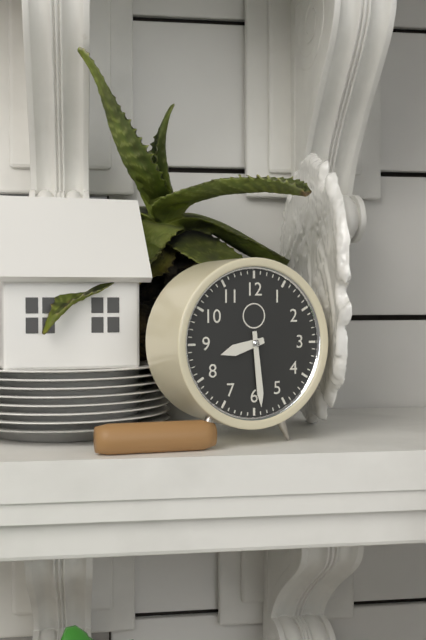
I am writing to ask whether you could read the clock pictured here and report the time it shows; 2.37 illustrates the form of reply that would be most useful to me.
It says 8.29
